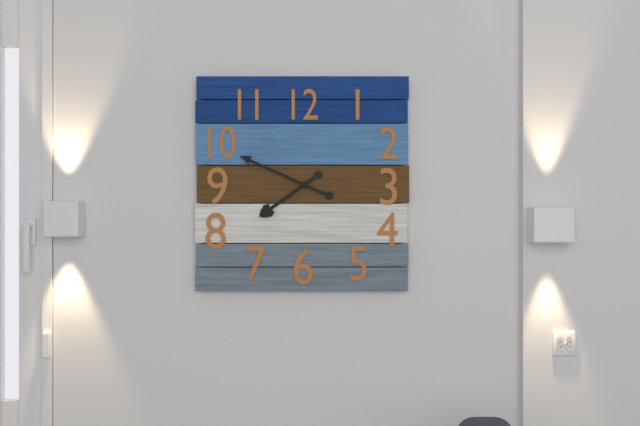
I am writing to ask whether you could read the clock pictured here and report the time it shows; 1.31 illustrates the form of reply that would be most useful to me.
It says 7.49
